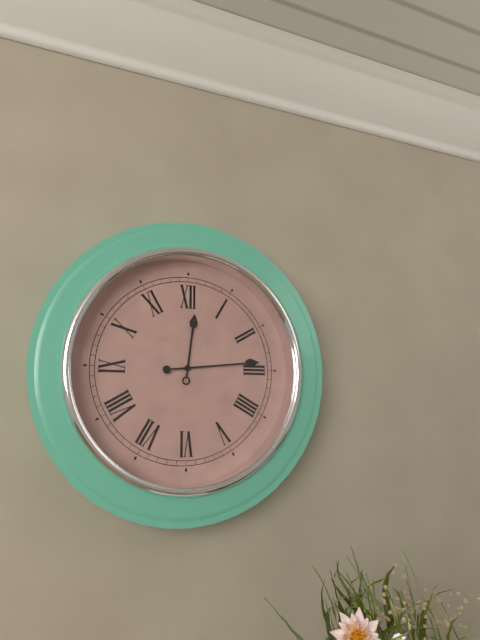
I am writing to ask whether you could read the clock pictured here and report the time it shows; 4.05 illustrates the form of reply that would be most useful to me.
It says 12.14
